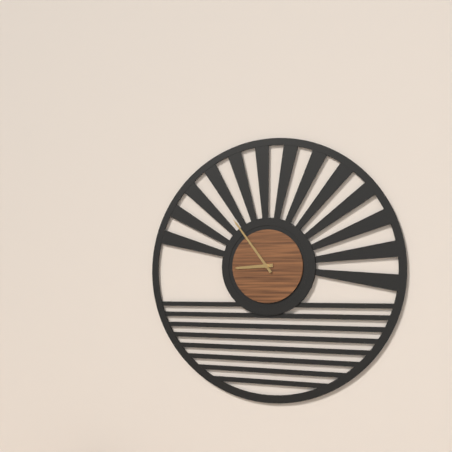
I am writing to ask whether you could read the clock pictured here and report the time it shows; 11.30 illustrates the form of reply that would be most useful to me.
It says 8.54
